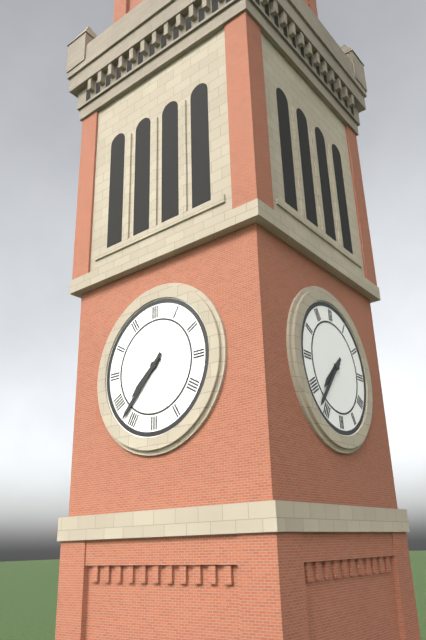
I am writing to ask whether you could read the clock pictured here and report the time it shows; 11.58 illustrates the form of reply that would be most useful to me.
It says 7.37
